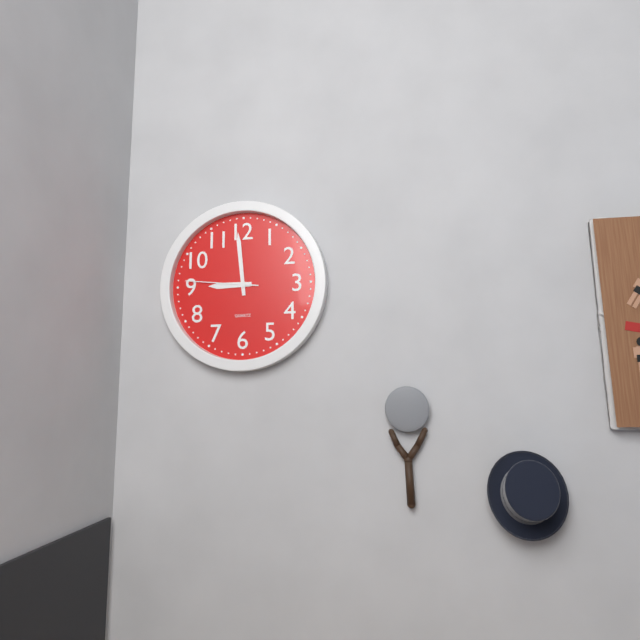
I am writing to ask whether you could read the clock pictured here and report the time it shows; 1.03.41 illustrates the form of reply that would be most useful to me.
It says 8.59.46
